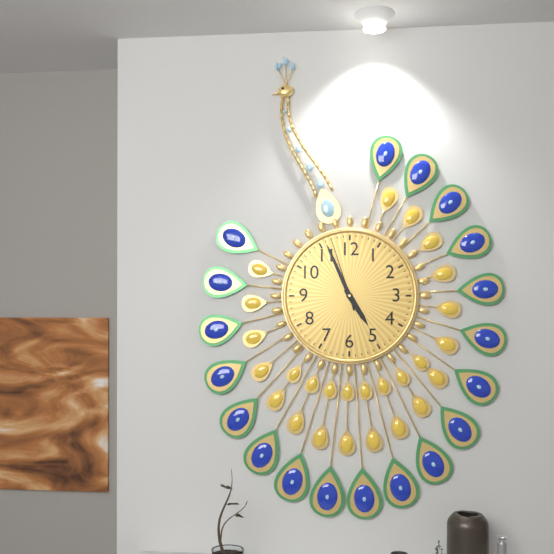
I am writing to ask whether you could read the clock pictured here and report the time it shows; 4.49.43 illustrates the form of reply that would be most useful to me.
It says 4.56.57
